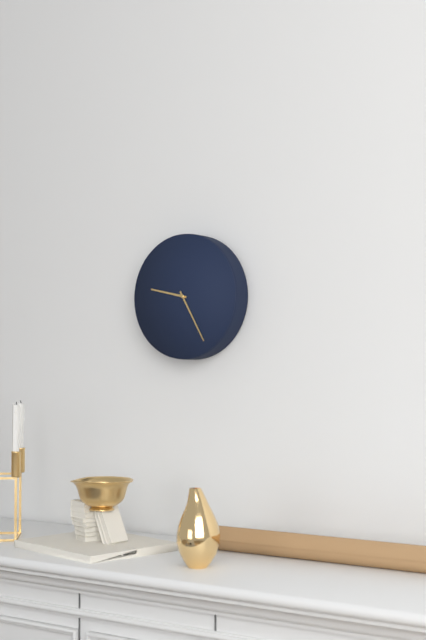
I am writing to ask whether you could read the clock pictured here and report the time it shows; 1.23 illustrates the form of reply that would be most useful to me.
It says 9.25
